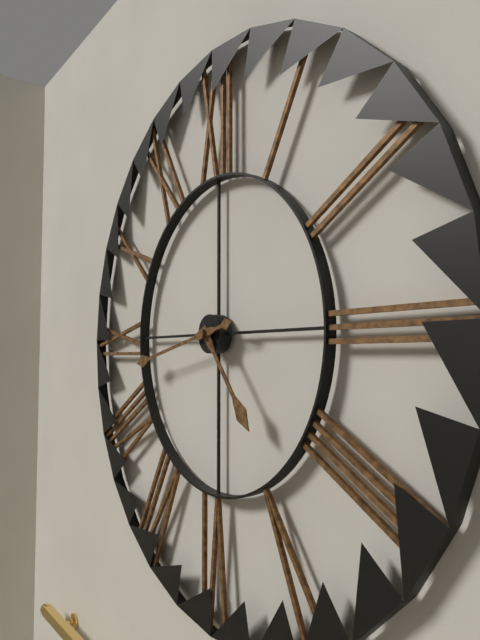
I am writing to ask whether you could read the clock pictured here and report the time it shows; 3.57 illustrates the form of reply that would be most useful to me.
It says 4.43
